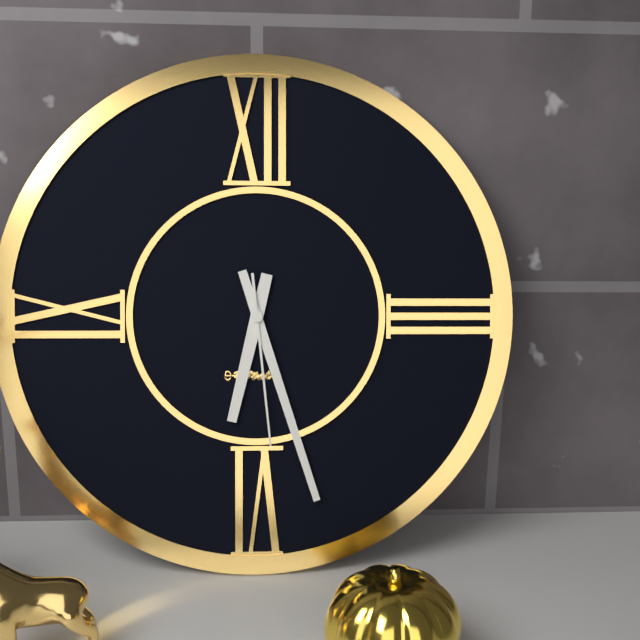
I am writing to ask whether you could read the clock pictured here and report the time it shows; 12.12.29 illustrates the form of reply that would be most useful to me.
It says 6.27.29
